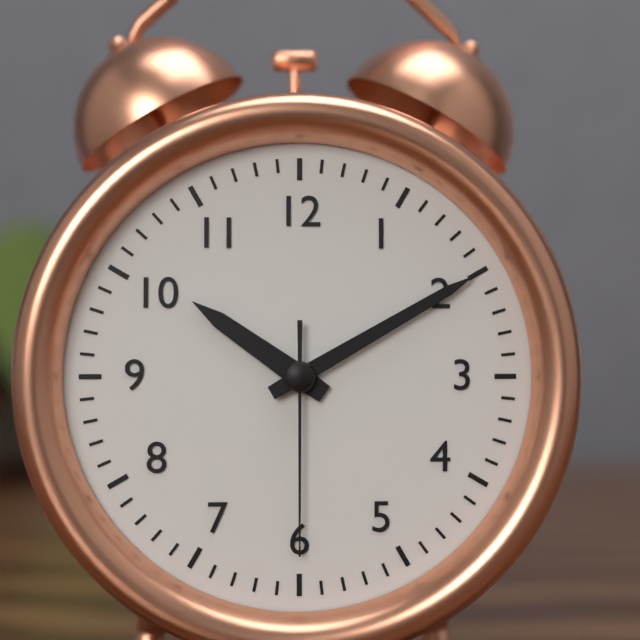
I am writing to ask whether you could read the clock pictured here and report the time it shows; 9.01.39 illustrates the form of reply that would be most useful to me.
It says 10.10.30
